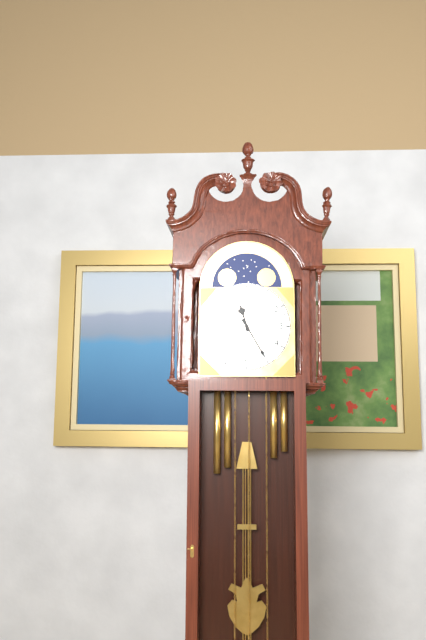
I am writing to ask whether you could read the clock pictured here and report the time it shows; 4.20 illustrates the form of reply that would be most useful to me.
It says 11.25
